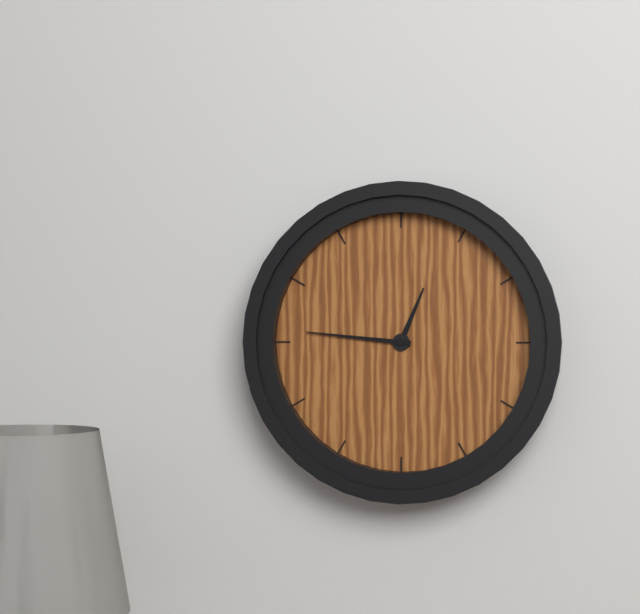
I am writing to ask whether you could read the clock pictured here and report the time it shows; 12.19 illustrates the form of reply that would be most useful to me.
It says 12.46
